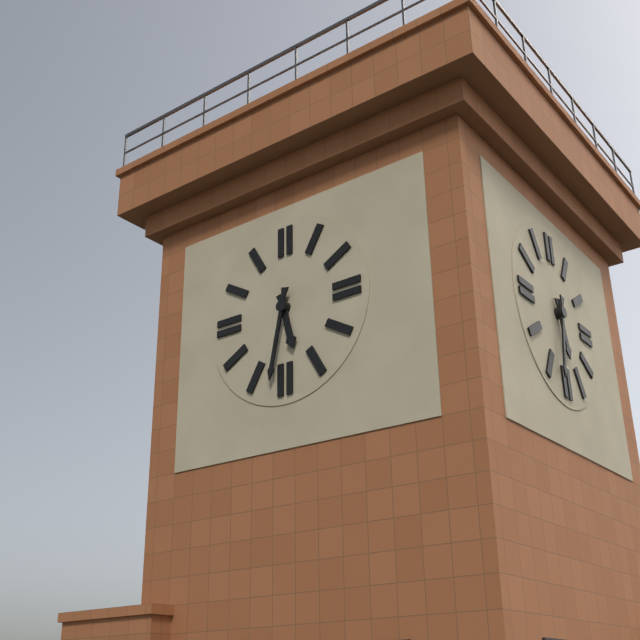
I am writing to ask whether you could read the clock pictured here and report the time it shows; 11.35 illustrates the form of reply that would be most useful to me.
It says 5.32
